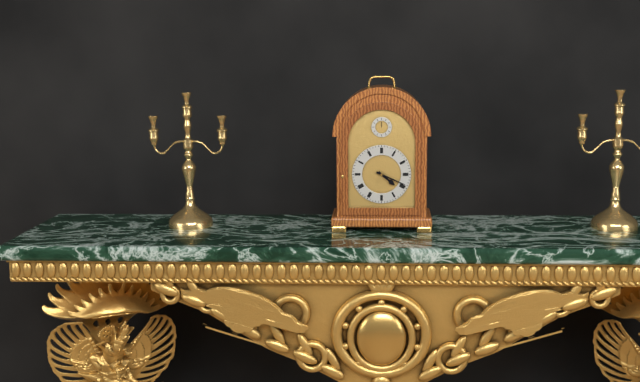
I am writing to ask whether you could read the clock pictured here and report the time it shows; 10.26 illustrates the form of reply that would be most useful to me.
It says 4.19
